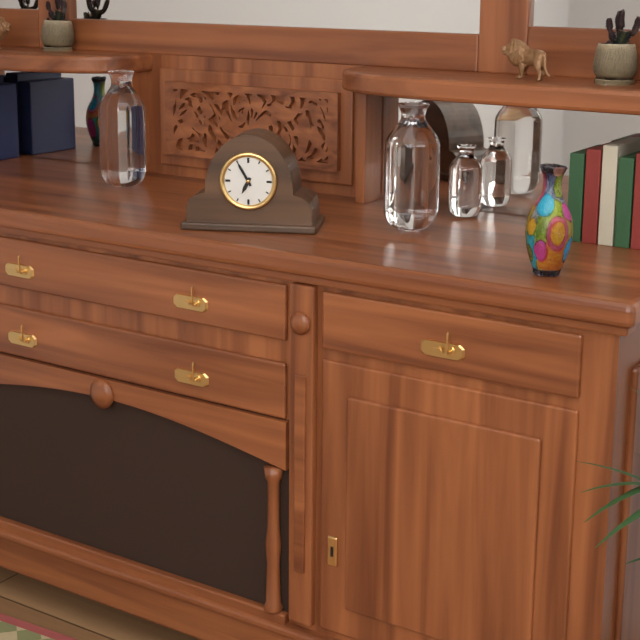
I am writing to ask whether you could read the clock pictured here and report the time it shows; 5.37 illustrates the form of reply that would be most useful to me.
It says 6.55
